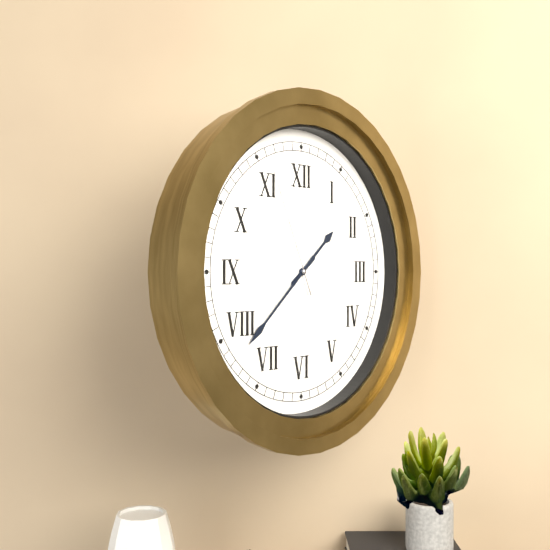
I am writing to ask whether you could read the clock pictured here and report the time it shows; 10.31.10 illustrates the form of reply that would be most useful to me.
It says 1.38.56
